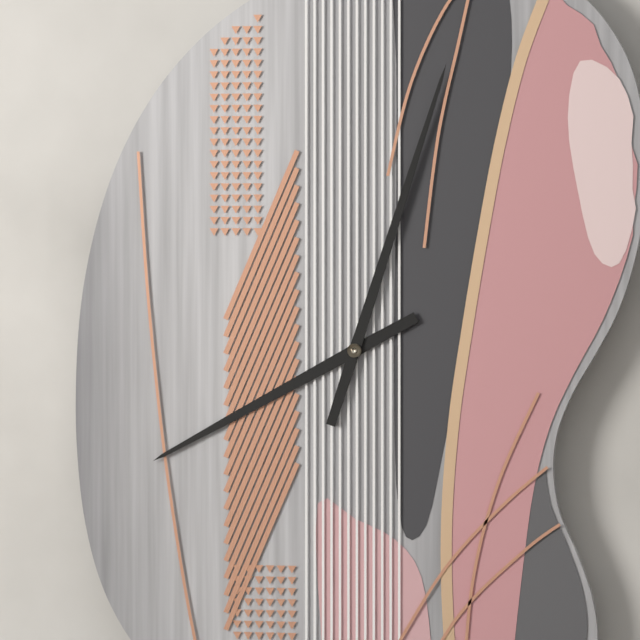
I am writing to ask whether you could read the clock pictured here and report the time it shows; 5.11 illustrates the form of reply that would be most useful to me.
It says 8.03
